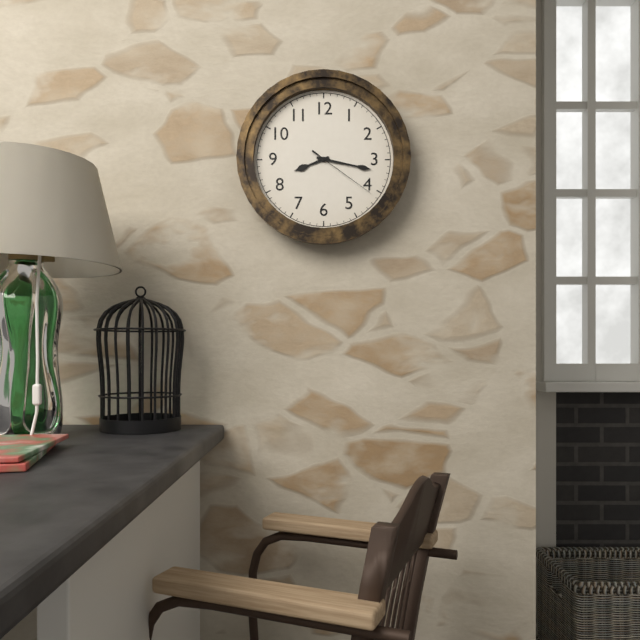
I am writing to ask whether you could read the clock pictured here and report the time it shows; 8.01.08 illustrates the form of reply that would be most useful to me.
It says 8.17.21
